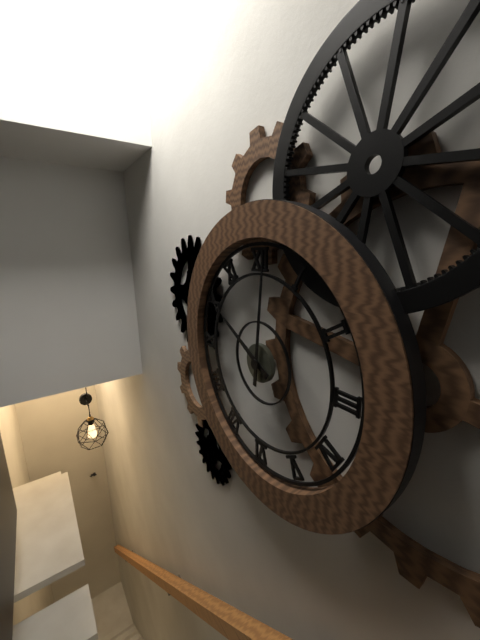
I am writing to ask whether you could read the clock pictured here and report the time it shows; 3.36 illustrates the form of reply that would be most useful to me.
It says 10.01
